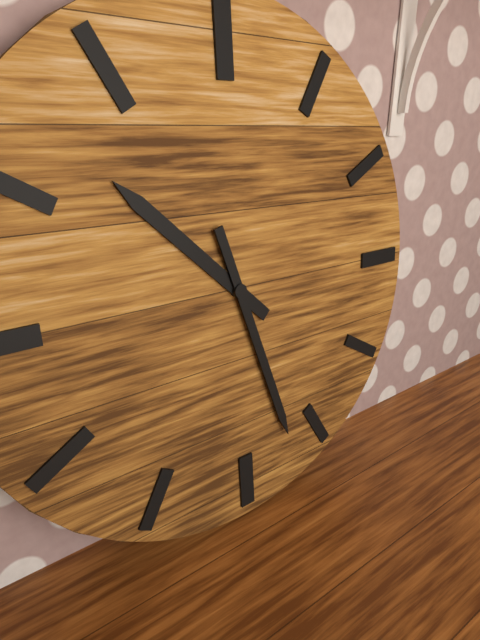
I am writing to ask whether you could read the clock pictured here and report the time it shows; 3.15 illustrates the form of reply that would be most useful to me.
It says 10.27
